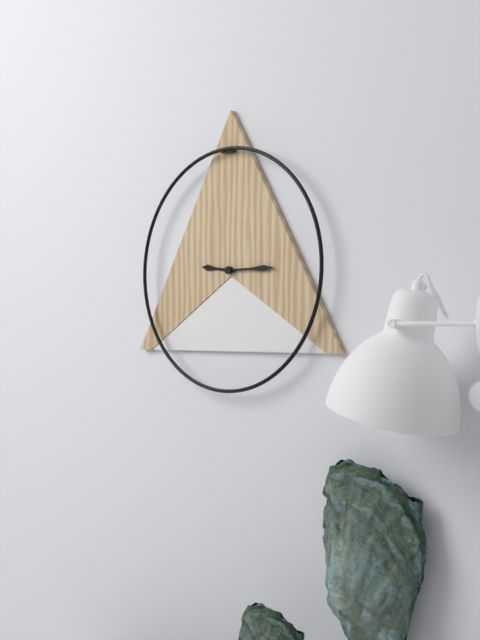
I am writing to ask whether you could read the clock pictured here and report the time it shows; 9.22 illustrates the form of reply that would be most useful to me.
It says 9.15
